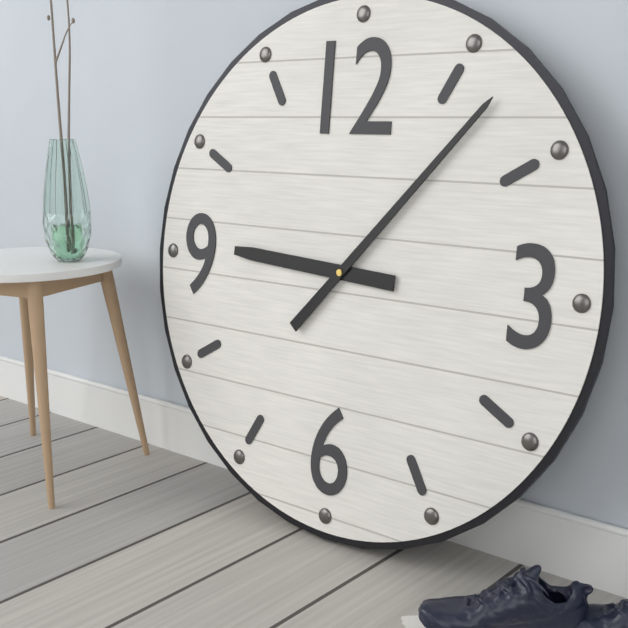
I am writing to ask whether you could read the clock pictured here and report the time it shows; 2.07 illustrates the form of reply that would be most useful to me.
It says 9.07
